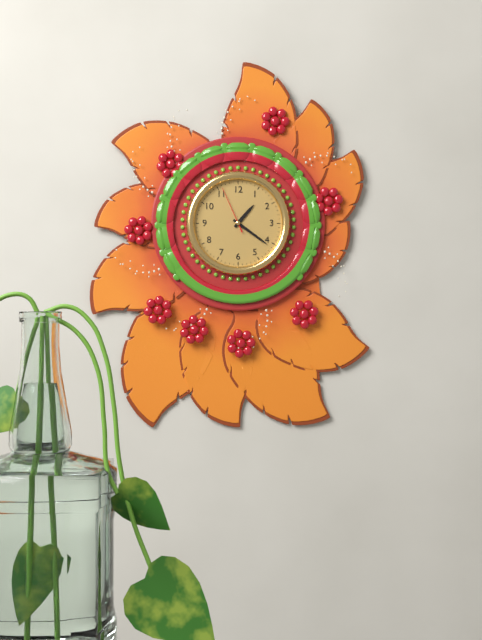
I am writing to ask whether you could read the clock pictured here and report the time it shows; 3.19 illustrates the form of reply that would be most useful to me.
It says 1.21
